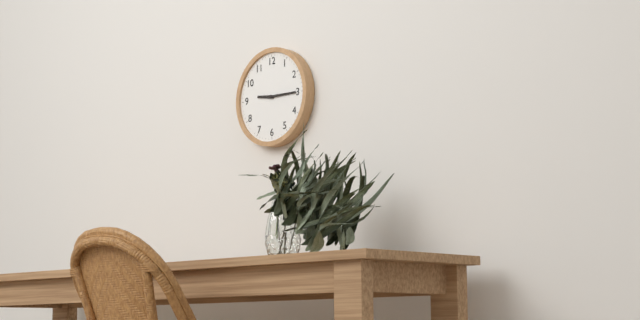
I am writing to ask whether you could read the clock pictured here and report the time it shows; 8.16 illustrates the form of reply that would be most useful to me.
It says 9.15
